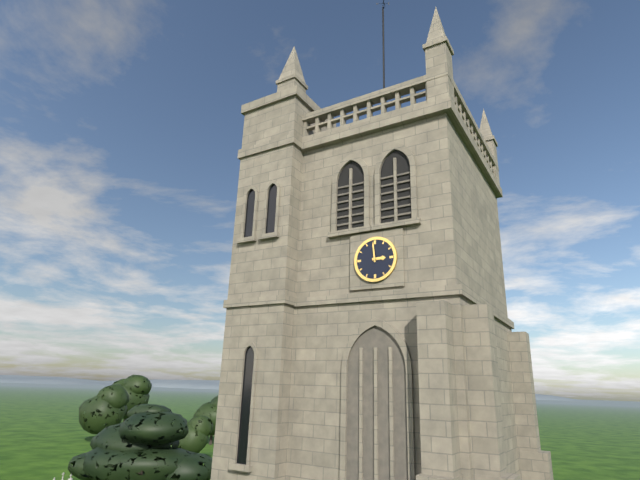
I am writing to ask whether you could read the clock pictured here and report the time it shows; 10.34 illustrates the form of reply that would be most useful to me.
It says 2.59
